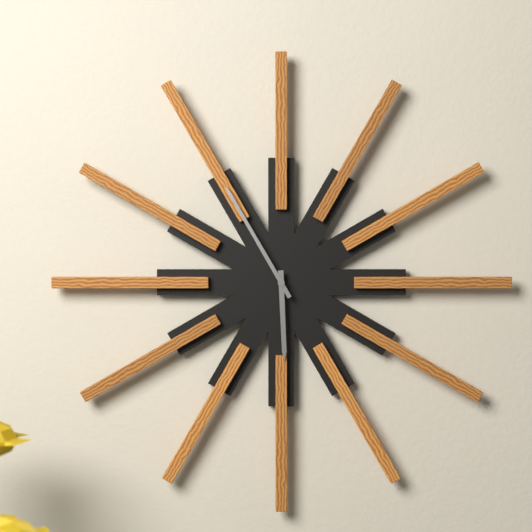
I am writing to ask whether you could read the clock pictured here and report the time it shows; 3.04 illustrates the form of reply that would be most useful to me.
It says 5.55
